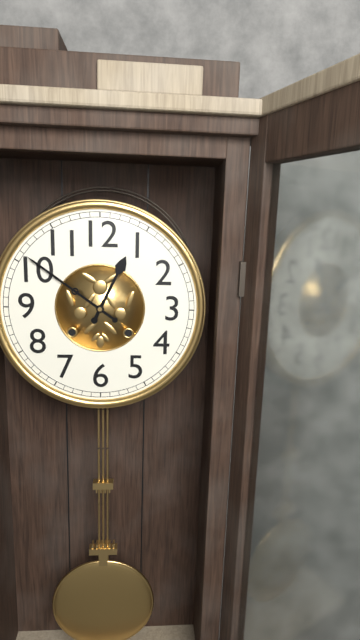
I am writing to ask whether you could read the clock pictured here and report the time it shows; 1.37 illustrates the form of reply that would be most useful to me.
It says 12.51
